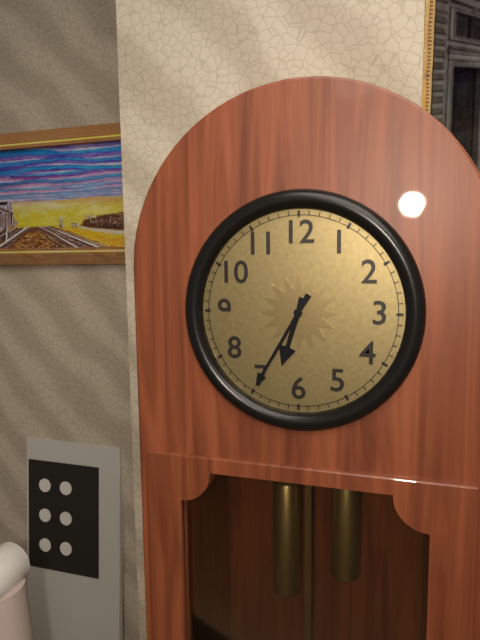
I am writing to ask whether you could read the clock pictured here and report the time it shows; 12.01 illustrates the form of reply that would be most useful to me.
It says 6.35
